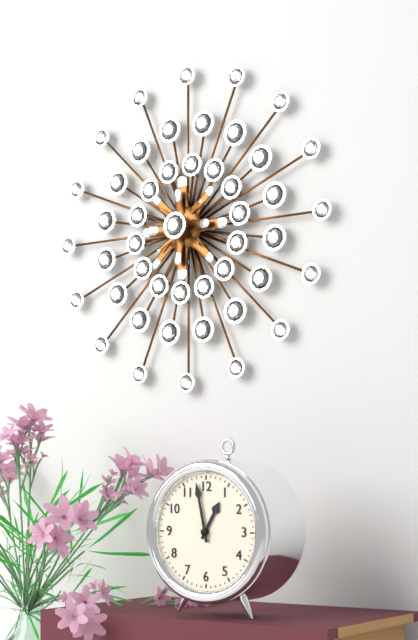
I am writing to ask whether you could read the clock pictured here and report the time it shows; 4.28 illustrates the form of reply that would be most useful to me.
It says 12.58
